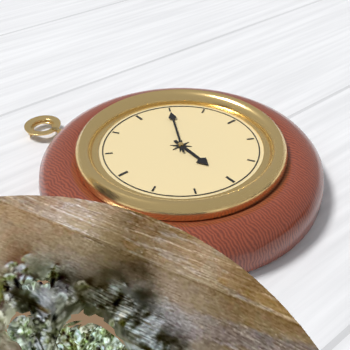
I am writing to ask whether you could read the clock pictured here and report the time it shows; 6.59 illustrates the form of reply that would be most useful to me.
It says 6.05
